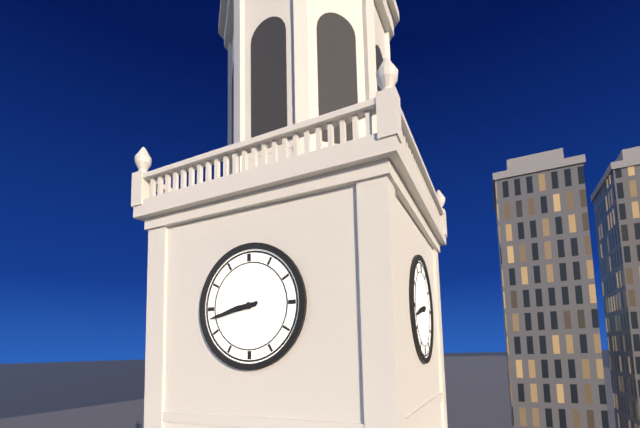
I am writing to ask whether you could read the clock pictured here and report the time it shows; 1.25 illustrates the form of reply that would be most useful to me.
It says 8.43
